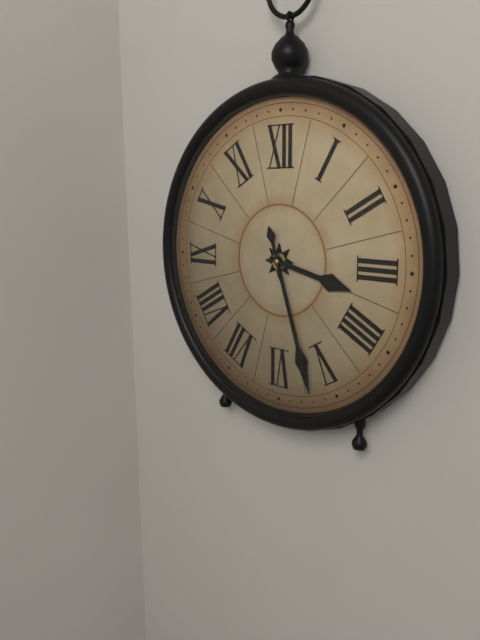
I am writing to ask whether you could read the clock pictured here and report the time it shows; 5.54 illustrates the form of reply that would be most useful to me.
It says 3.27
